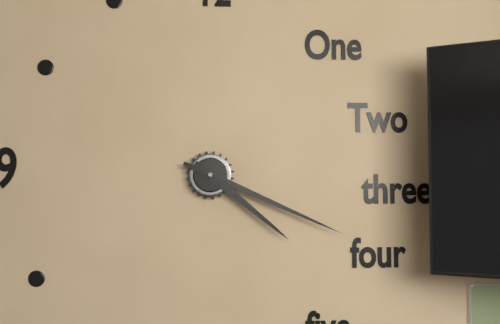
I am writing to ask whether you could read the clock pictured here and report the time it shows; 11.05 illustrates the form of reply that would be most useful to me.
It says 4.19
